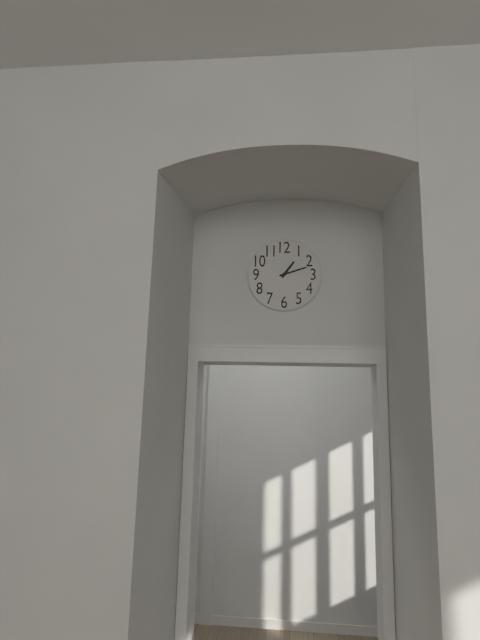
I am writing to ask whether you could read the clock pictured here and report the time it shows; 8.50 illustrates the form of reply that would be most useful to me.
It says 1.12
